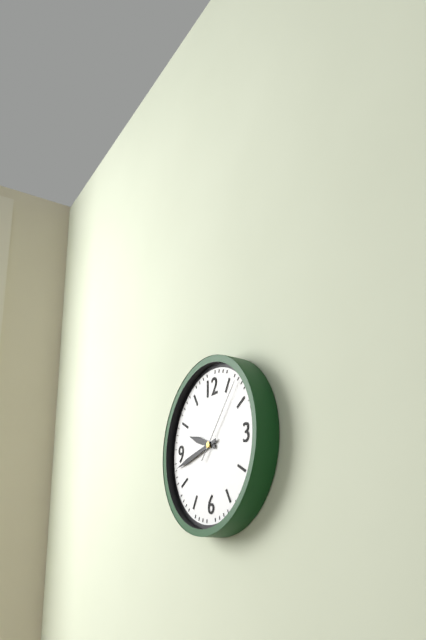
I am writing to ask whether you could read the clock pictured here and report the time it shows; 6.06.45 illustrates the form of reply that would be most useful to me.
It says 9.43.07
